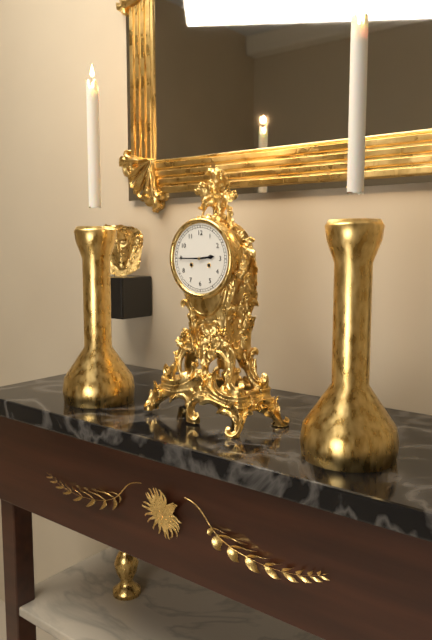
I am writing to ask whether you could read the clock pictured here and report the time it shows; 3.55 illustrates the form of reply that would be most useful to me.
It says 2.45
